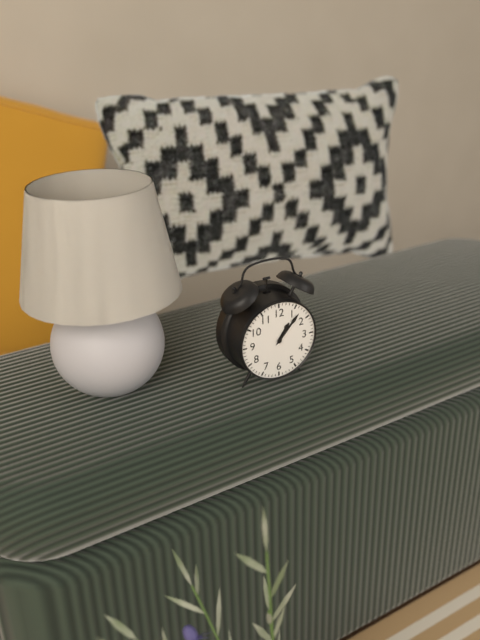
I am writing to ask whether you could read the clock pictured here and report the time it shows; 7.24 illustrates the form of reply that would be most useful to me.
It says 1.07
